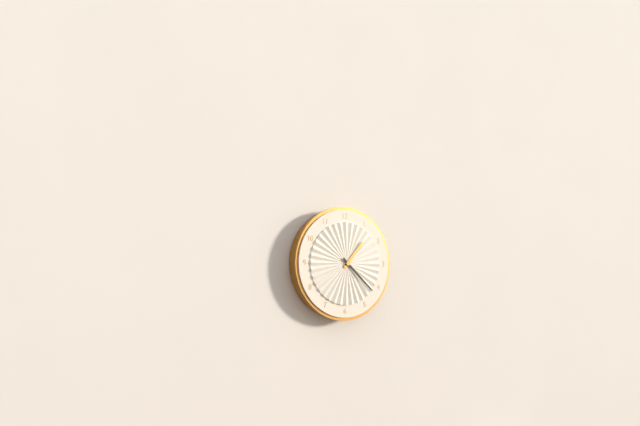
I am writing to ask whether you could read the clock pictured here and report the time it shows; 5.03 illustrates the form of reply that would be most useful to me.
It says 1.22
